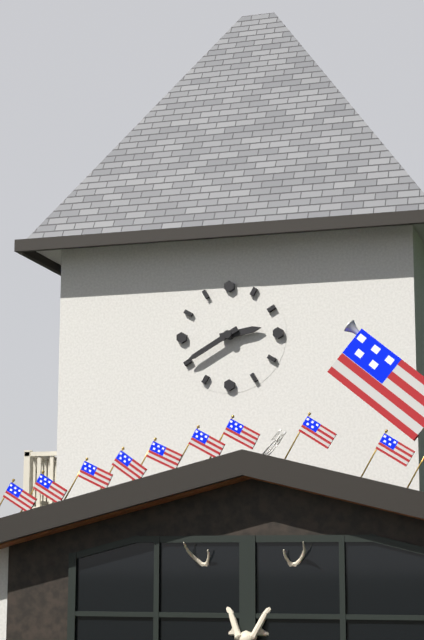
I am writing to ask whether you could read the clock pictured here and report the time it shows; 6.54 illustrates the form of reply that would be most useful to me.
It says 2.40
